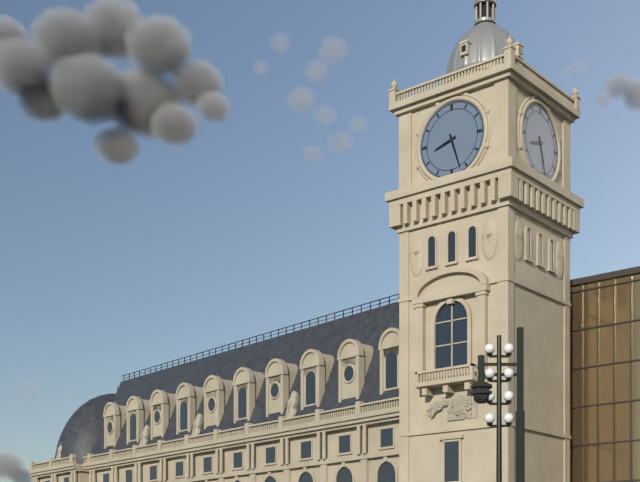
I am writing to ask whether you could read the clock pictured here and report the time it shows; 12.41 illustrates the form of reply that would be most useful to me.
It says 8.27
